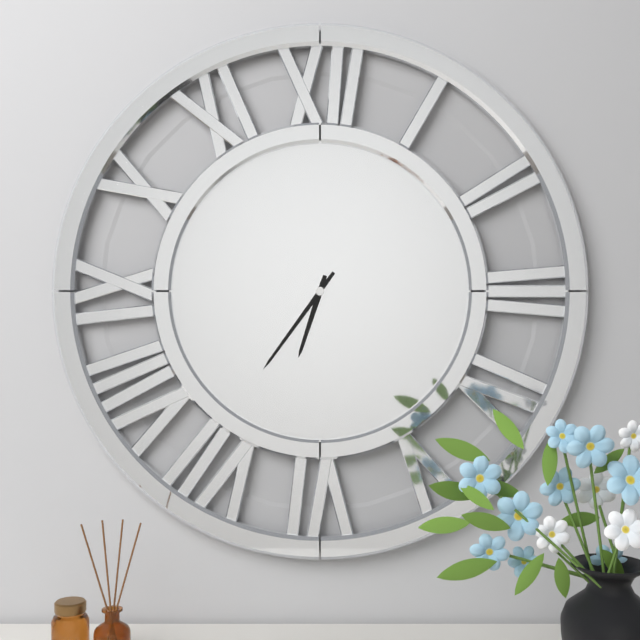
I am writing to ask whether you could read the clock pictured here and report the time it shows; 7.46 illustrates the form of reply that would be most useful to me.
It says 6.36
